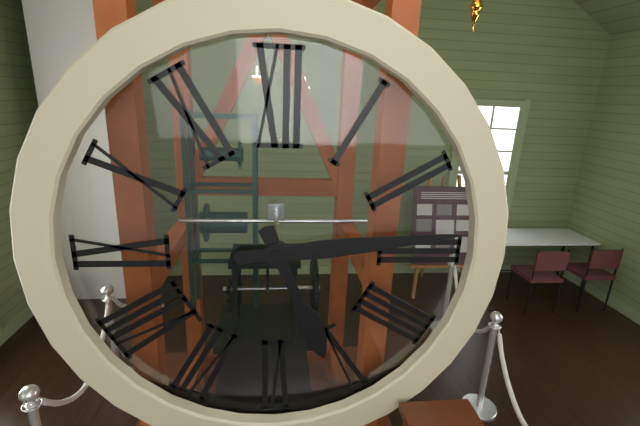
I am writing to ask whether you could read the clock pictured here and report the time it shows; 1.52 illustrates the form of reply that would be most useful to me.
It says 5.14
